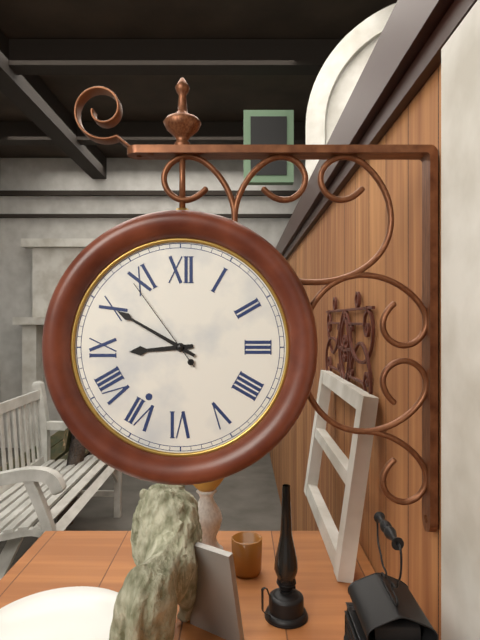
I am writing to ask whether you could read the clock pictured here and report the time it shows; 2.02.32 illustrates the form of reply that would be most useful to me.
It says 8.50.54
